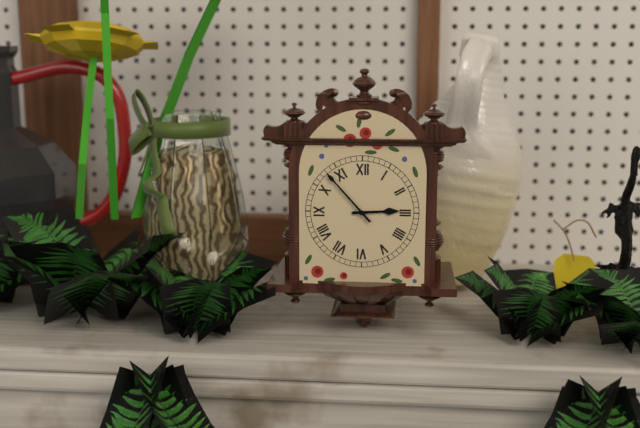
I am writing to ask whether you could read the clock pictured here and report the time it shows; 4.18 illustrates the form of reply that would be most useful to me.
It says 2.53
